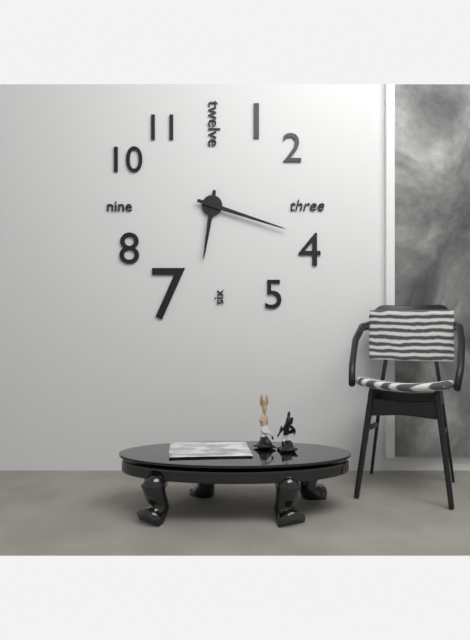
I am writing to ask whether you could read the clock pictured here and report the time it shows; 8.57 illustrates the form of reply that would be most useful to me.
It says 6.18
